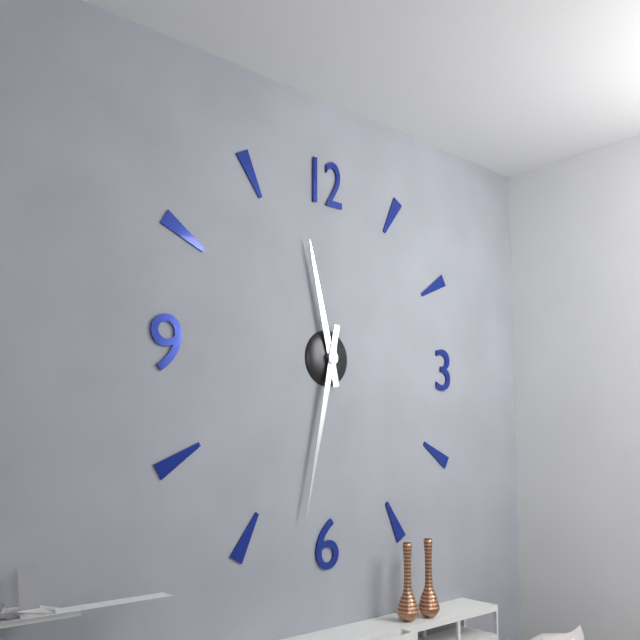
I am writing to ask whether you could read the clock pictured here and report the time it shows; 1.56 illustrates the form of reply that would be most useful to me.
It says 11.32
